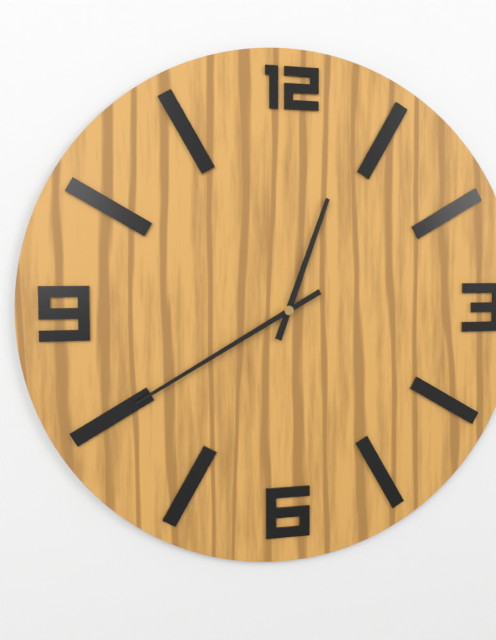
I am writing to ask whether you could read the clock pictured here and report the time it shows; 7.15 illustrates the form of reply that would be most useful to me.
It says 12.40
